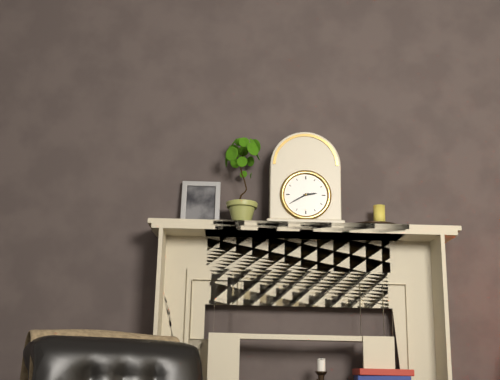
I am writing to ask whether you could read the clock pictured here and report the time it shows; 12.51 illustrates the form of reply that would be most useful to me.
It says 2.40
